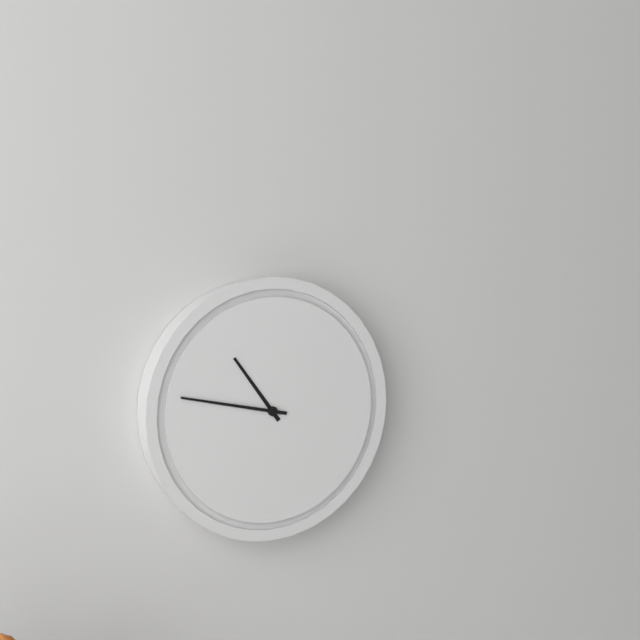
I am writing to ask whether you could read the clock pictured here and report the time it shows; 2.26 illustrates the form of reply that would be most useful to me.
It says 10.47
